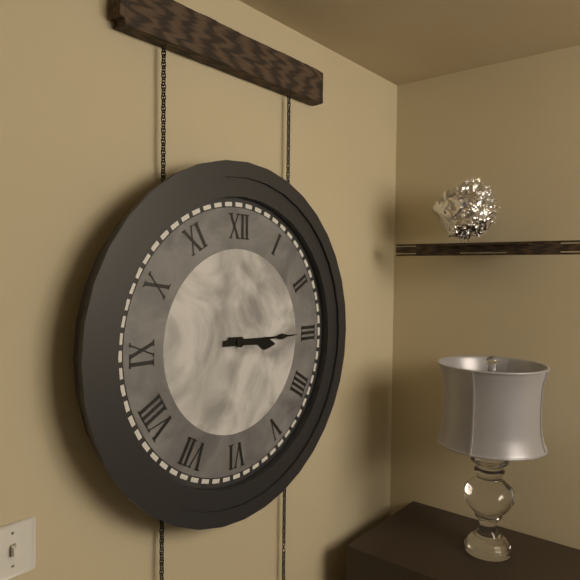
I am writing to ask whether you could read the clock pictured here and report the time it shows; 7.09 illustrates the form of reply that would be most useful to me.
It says 3.15
